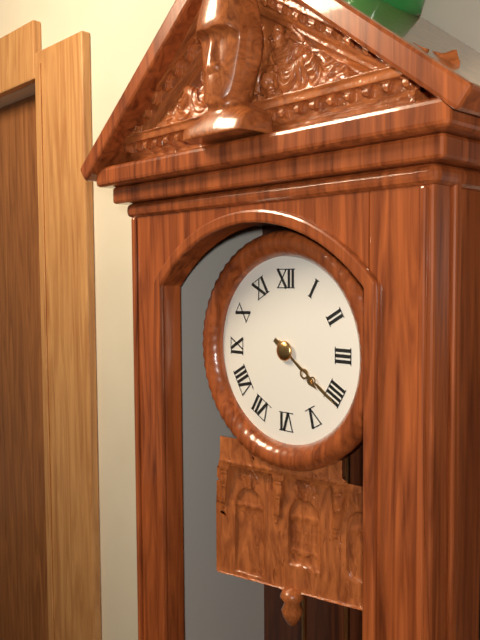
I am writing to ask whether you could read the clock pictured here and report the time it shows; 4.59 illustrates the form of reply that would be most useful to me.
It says 4.21
